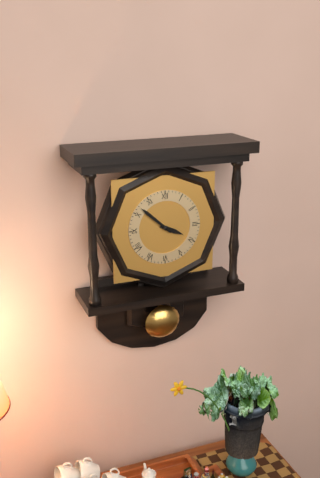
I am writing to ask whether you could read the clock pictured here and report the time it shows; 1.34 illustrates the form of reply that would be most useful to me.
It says 3.52
